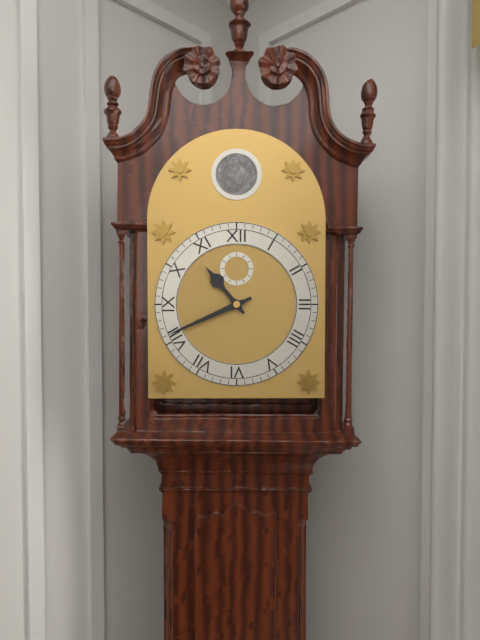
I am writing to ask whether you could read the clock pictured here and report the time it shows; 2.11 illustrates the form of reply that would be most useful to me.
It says 10.41
